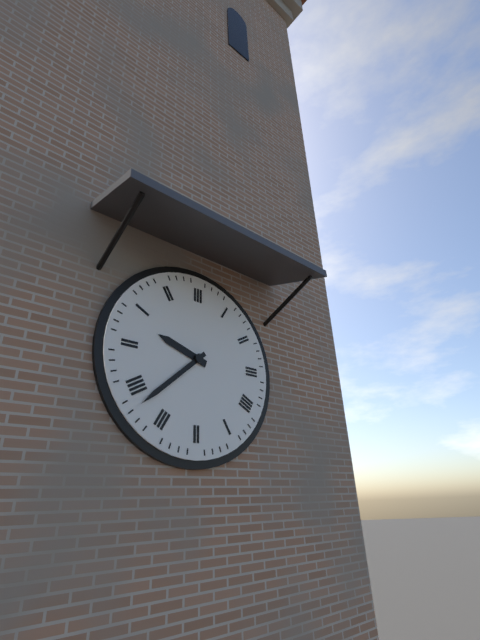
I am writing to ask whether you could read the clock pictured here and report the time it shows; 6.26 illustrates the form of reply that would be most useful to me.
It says 9.38
